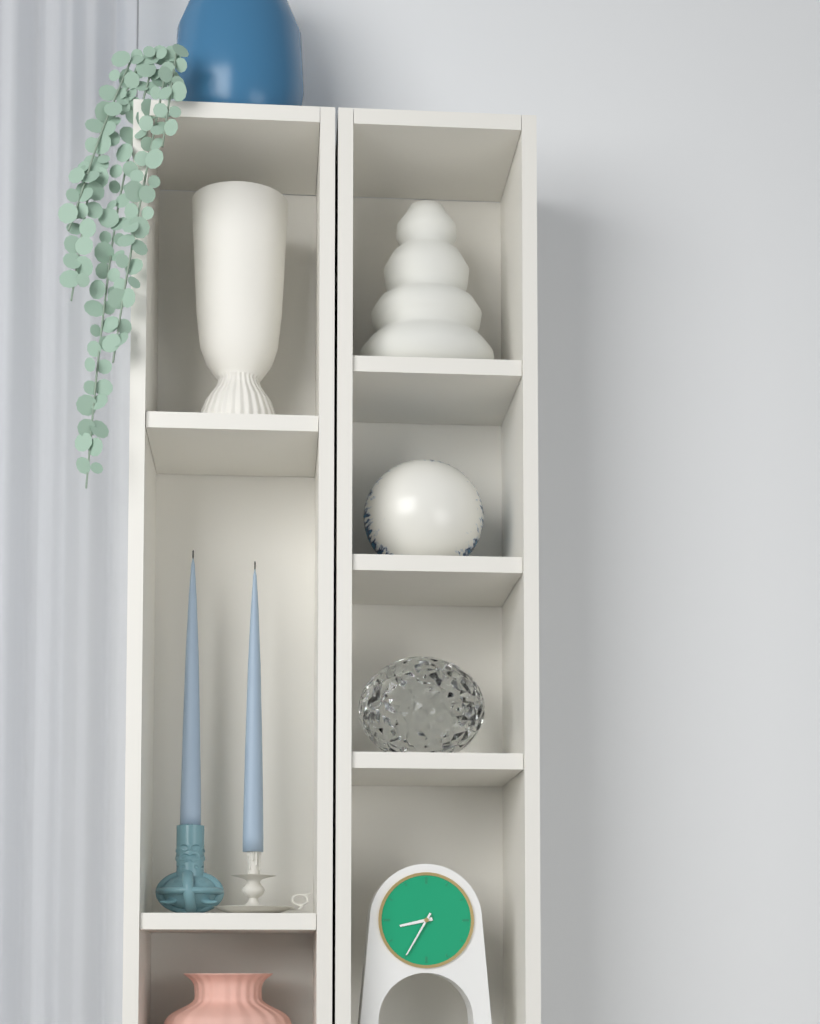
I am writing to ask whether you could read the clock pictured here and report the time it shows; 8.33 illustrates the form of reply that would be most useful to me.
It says 8.35
